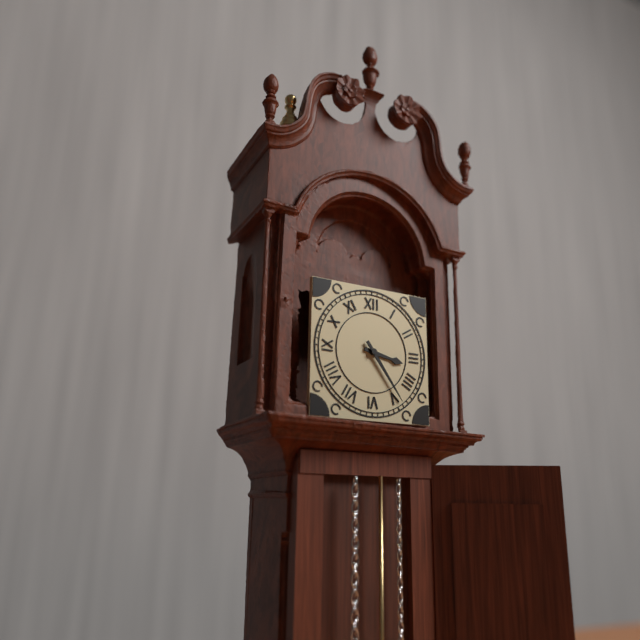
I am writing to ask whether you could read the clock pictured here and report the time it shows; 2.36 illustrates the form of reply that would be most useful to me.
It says 3.24
